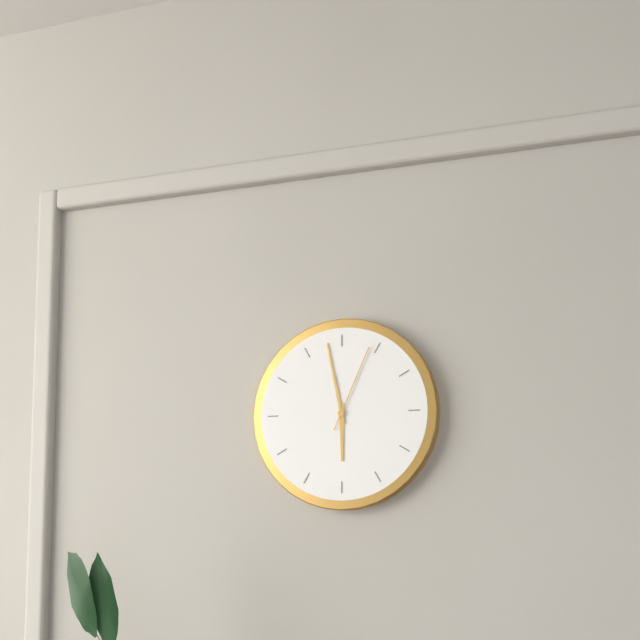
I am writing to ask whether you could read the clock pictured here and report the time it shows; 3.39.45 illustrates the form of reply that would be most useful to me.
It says 5.58.04
